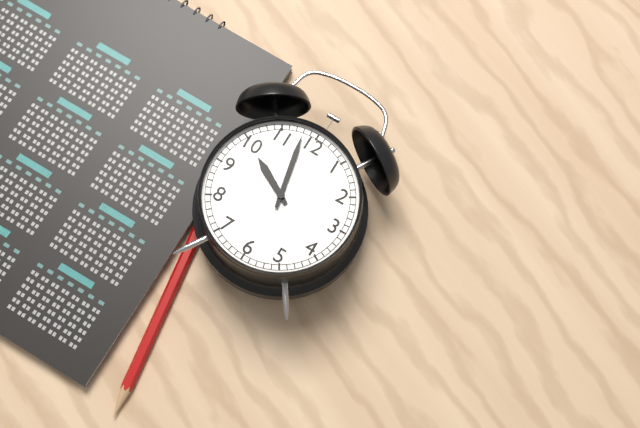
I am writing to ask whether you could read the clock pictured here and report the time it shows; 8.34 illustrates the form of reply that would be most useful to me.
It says 9.58
